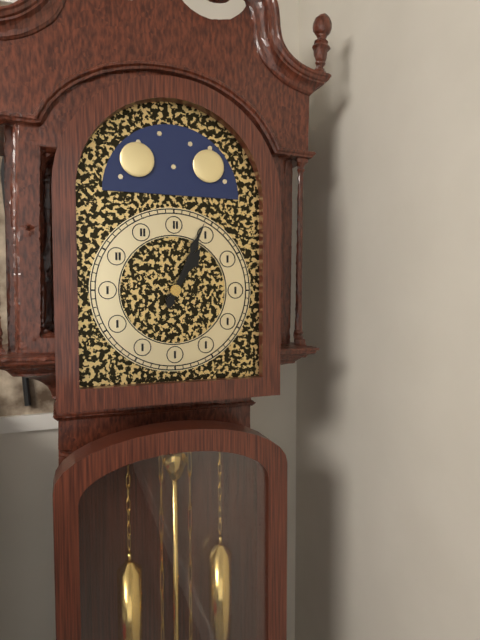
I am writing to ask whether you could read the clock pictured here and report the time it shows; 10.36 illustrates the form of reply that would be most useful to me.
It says 1.04
